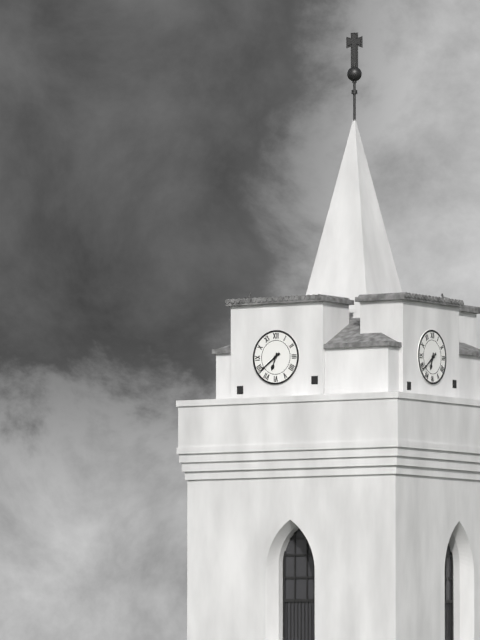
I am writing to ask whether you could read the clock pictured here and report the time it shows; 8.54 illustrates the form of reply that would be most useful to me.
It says 6.39
